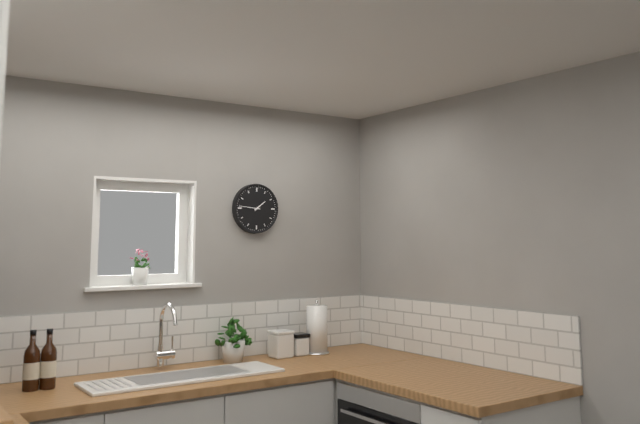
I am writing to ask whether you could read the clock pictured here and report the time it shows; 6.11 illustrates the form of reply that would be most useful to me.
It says 1.46
